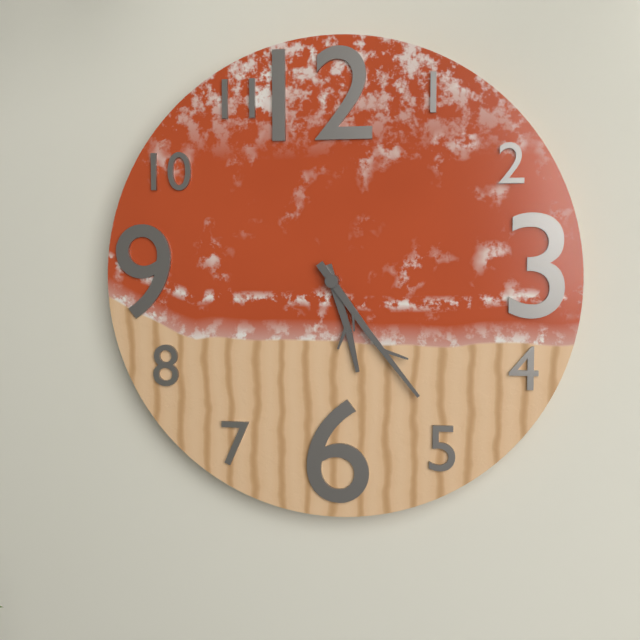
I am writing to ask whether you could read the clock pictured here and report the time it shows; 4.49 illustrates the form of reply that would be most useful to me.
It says 5.24
